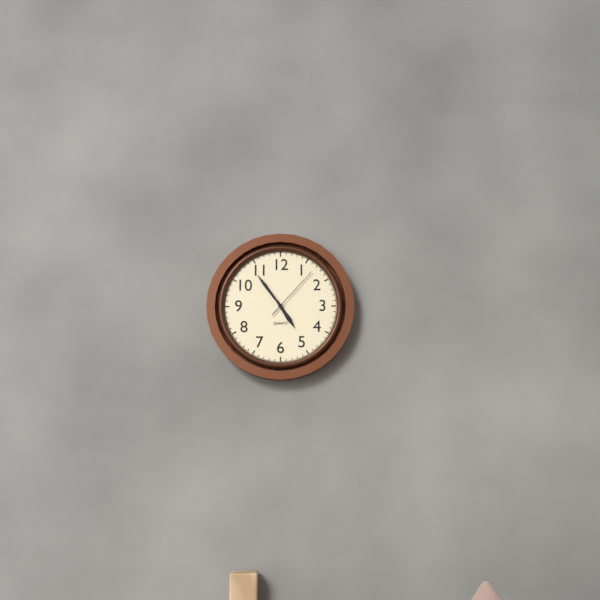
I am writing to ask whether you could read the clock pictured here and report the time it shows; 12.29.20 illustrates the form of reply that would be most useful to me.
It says 4.54.07
